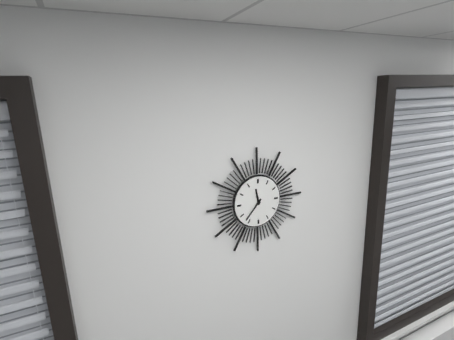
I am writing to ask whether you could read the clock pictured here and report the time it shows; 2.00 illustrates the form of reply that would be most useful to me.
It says 11.37
